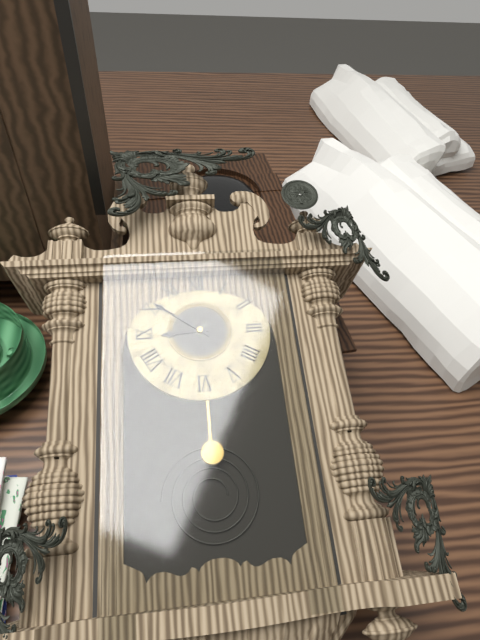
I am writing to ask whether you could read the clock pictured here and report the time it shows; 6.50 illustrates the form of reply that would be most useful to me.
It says 8.51
